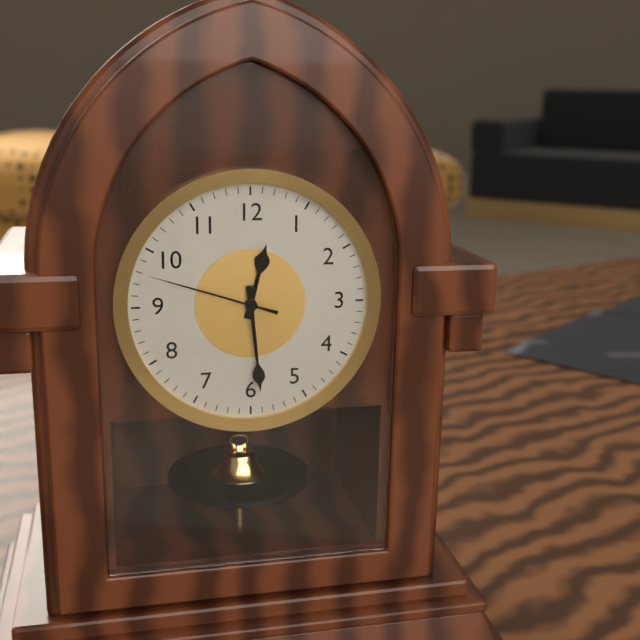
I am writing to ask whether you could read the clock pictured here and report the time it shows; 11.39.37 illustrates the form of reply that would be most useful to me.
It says 12.29.48
